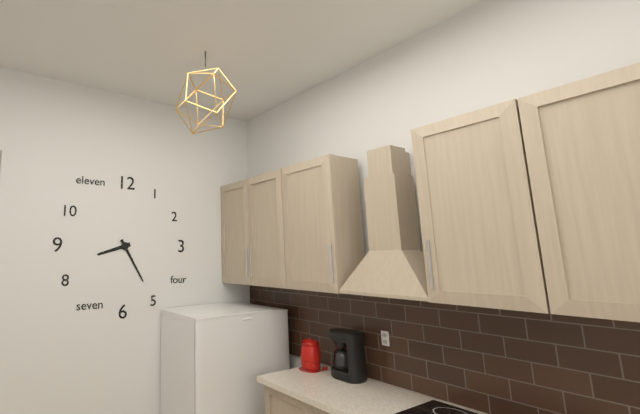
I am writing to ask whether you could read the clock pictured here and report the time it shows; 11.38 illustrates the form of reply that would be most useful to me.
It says 8.25
